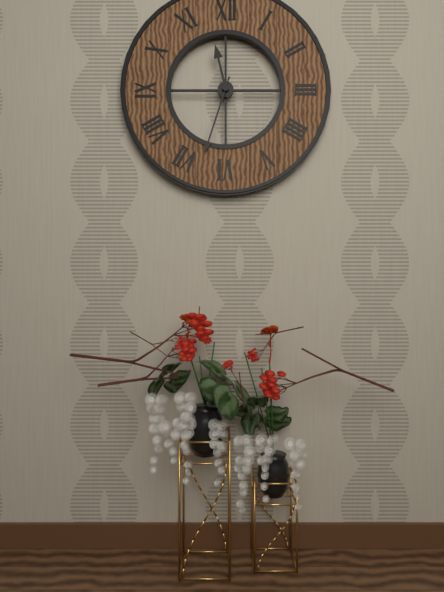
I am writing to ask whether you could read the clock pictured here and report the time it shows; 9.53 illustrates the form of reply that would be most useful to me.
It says 11.33
